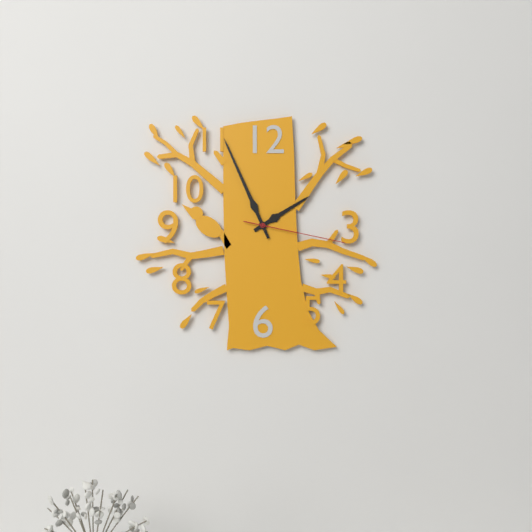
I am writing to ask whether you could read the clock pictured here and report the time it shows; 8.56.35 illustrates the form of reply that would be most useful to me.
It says 1.56.17
